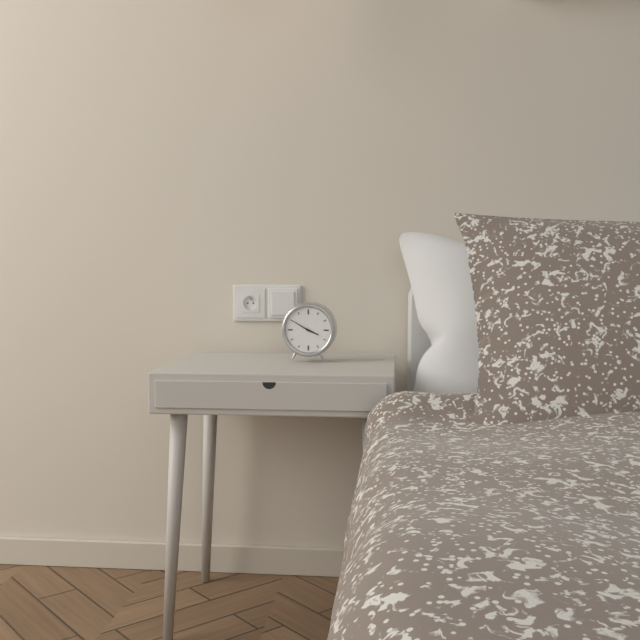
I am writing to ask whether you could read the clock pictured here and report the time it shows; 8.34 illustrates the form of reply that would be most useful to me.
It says 3.50
